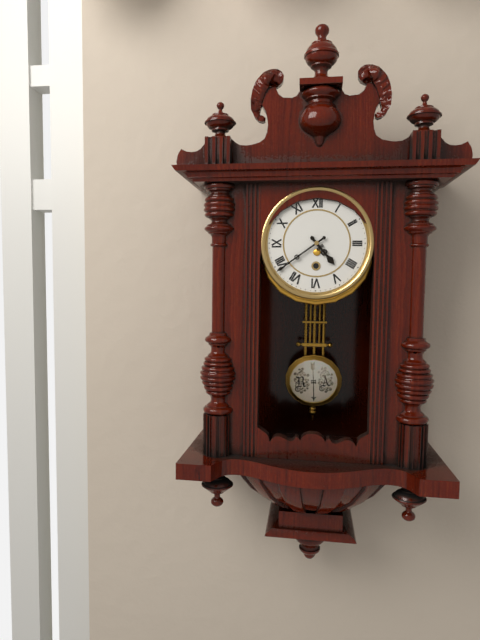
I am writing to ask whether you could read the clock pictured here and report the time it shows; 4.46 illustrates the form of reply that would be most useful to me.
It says 4.39
